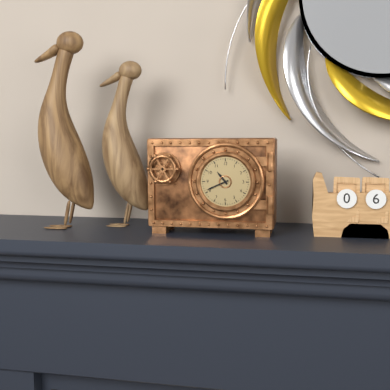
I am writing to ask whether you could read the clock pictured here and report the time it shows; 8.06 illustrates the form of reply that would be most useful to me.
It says 10.41
